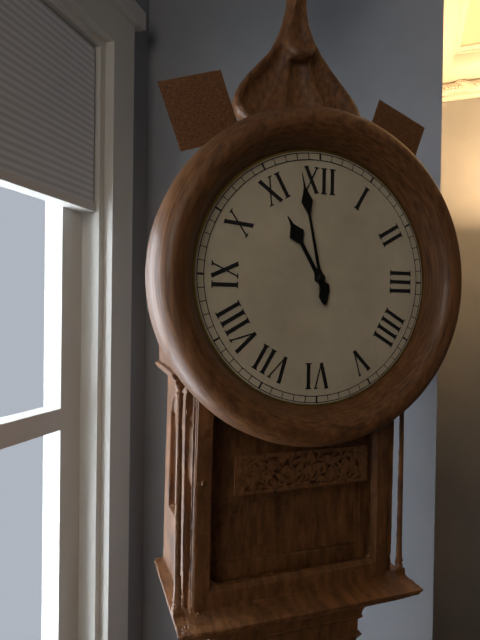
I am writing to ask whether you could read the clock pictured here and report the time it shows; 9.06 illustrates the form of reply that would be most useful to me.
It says 10.58
